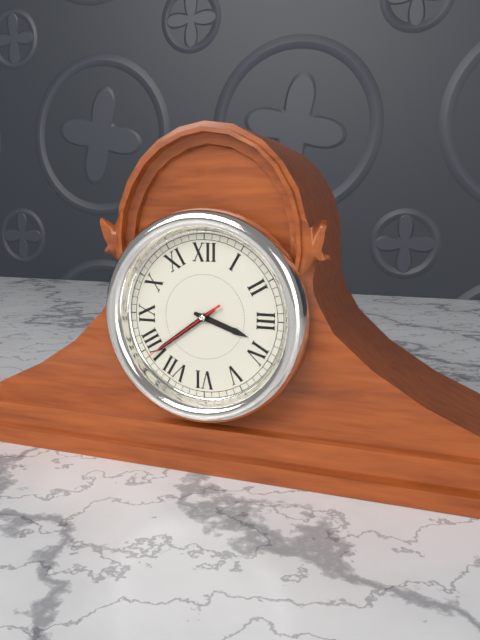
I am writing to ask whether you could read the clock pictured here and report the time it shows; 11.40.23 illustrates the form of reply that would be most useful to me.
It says 3.39.39
